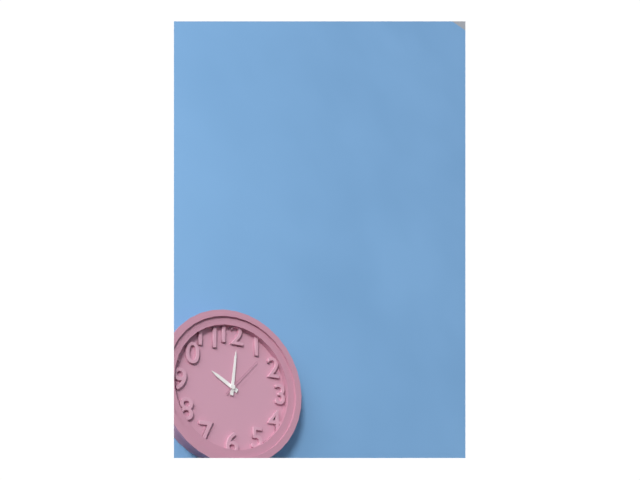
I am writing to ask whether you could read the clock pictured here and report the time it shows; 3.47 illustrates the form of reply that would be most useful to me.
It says 10.01
